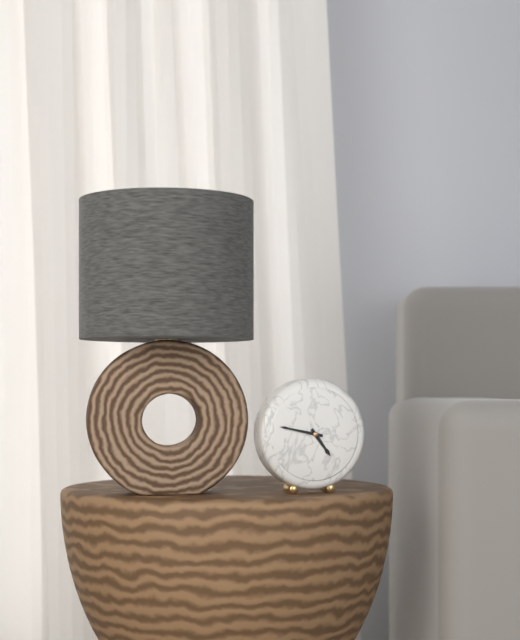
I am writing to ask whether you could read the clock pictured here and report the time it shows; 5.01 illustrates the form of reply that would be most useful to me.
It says 4.47
